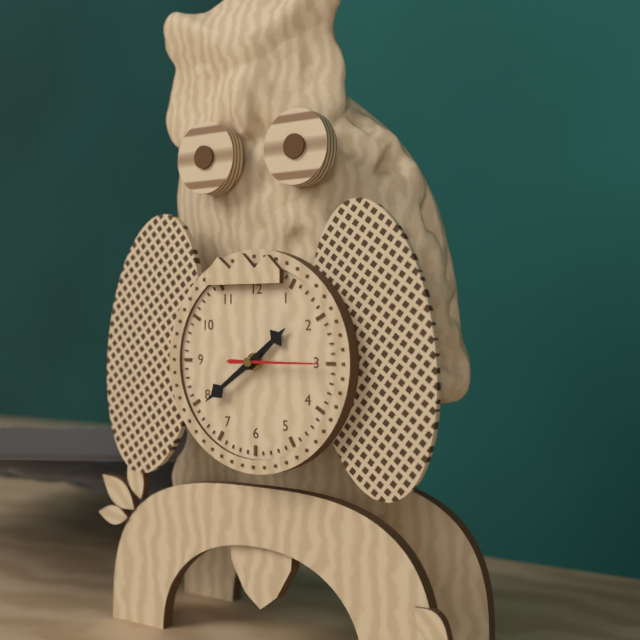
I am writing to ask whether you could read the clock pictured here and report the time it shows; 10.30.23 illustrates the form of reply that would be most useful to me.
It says 1.39.15
